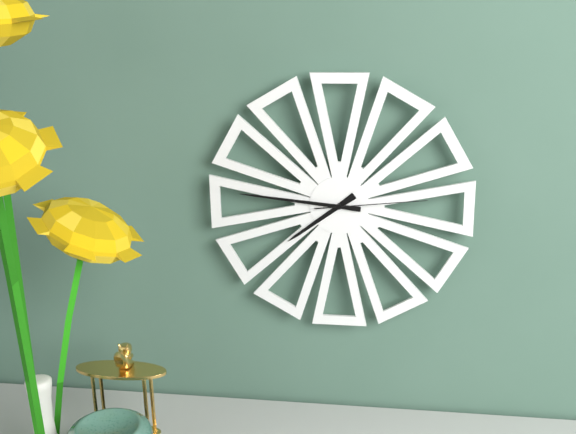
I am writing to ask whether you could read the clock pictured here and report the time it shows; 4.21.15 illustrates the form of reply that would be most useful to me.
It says 7.46.14
